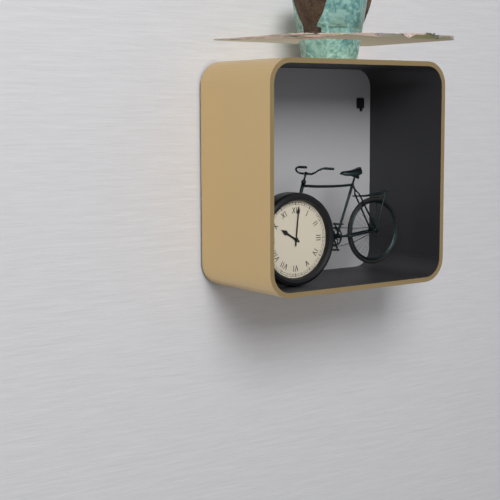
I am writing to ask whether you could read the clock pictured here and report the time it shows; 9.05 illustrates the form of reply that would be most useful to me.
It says 10.01
